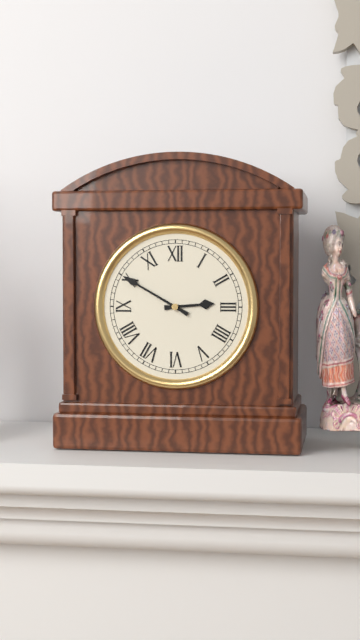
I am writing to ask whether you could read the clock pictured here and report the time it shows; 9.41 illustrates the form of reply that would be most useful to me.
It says 2.50
